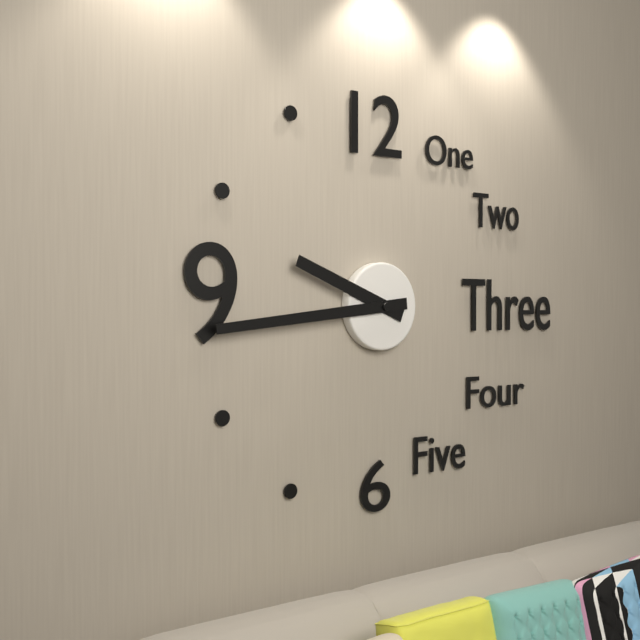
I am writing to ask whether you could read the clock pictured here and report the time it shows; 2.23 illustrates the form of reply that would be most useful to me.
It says 9.44
